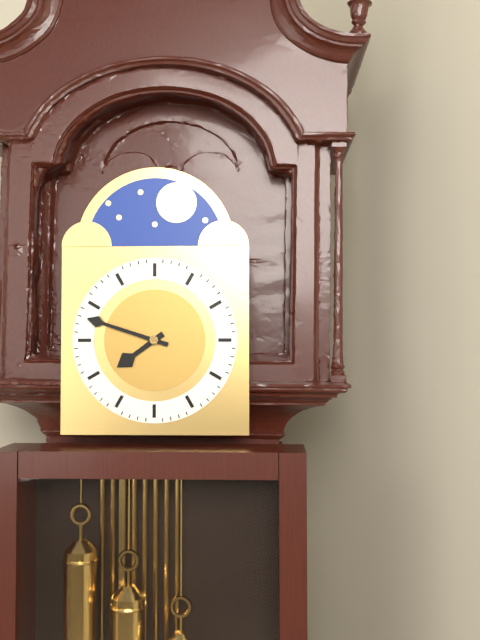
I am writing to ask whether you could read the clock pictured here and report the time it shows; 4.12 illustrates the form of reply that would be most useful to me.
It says 7.48
